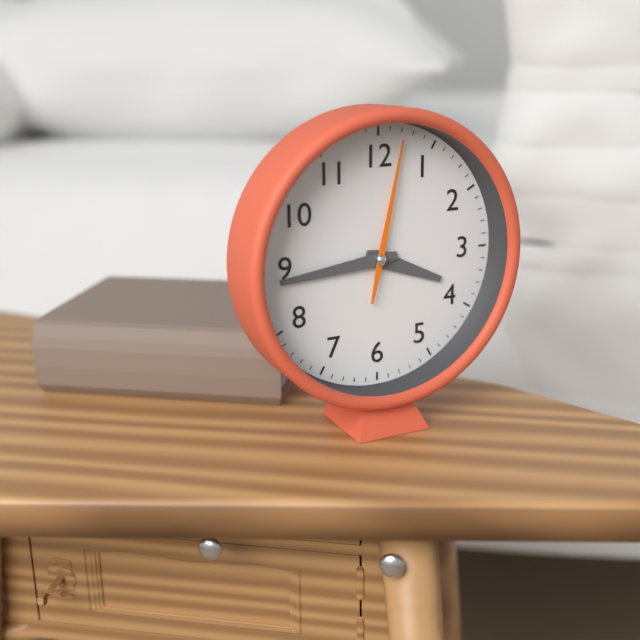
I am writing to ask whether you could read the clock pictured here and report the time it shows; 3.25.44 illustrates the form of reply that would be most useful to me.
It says 3.44.02
